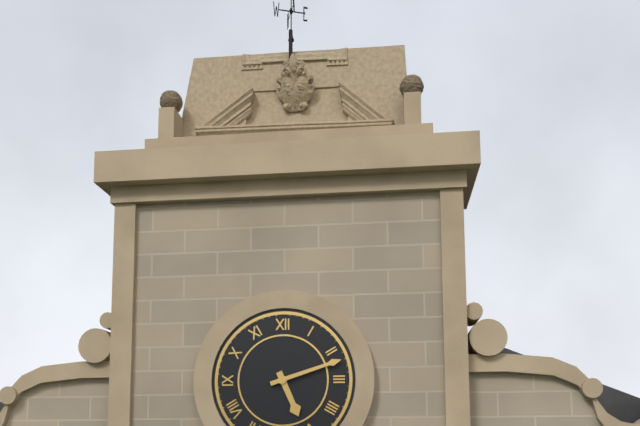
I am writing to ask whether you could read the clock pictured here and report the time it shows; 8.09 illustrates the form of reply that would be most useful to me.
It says 5.12
